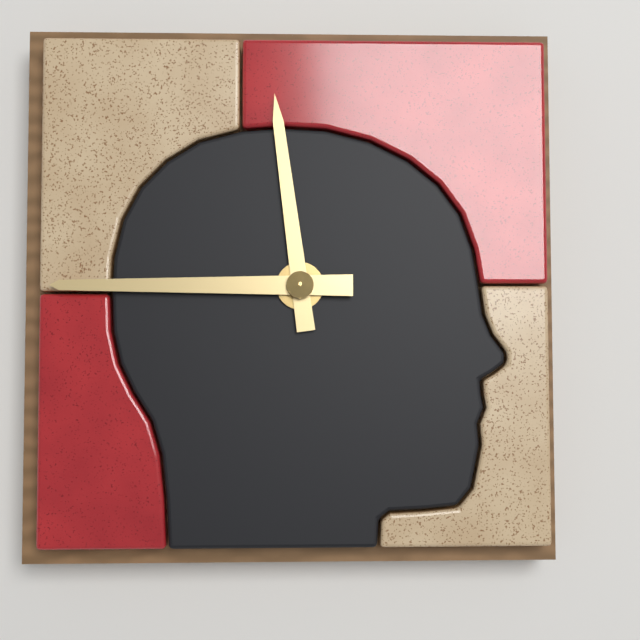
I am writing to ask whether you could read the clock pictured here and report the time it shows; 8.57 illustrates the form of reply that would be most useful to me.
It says 11.45
